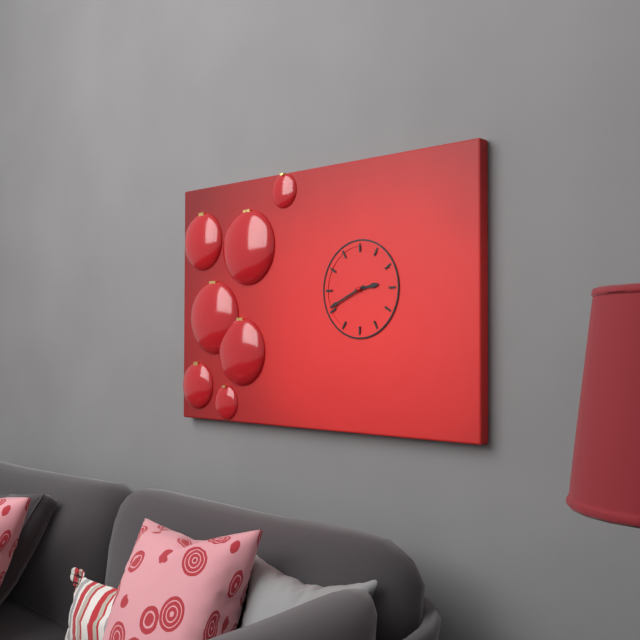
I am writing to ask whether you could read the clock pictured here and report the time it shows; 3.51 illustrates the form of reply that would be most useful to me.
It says 2.41
